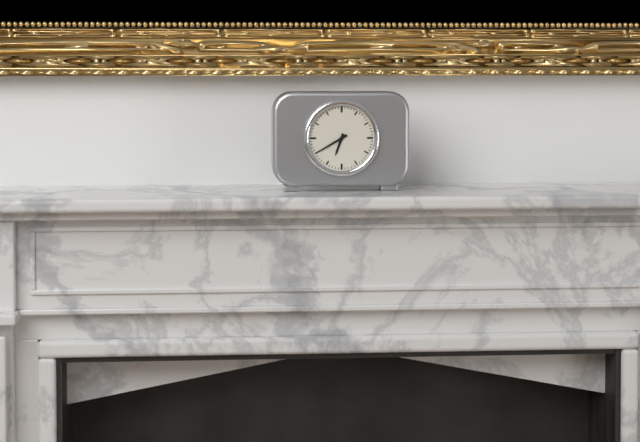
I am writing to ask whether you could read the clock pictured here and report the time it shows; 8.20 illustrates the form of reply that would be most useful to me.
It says 6.40
